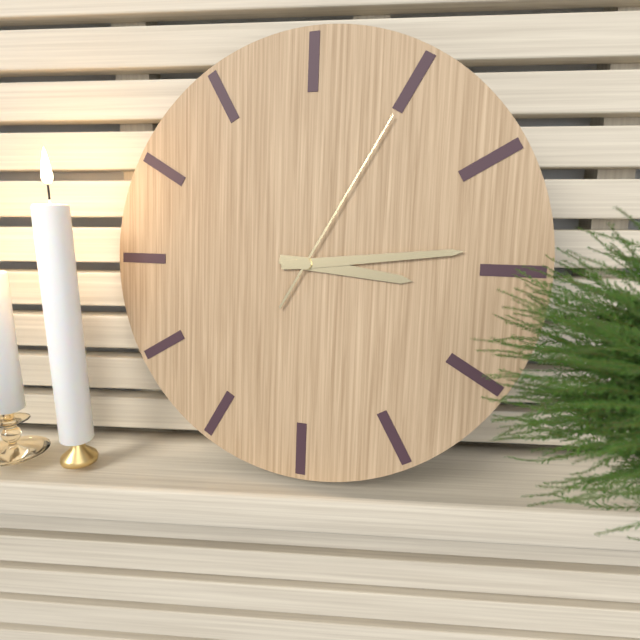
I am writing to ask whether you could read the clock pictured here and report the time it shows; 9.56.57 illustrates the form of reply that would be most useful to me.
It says 3.14.05
